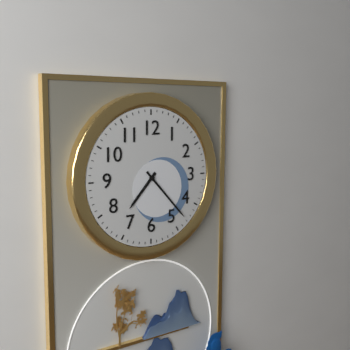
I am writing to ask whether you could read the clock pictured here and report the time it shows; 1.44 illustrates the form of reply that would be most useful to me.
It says 7.23
